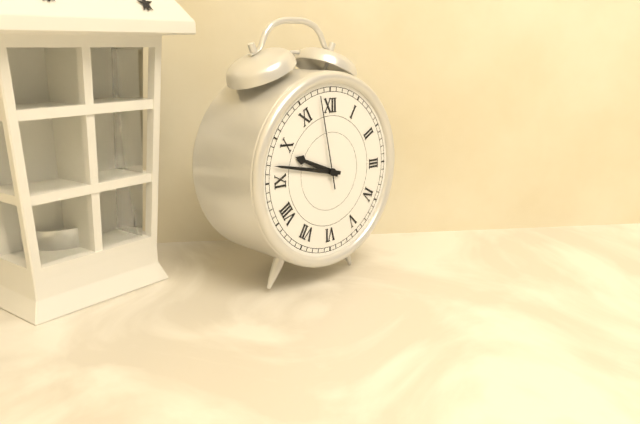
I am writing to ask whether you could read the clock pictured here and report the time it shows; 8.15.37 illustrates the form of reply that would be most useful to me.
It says 9.47.58
